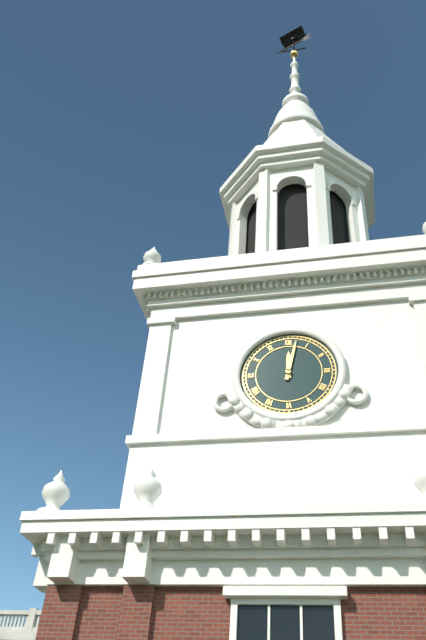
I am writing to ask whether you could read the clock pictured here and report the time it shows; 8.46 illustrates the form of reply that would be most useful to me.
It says 12.02
